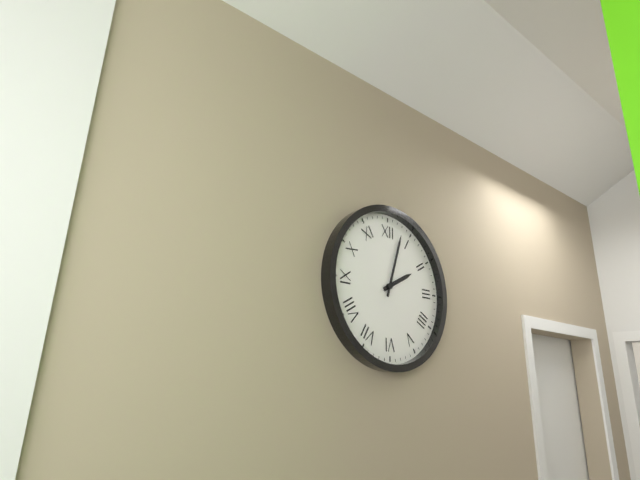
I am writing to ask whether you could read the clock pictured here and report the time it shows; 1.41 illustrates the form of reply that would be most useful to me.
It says 2.03
